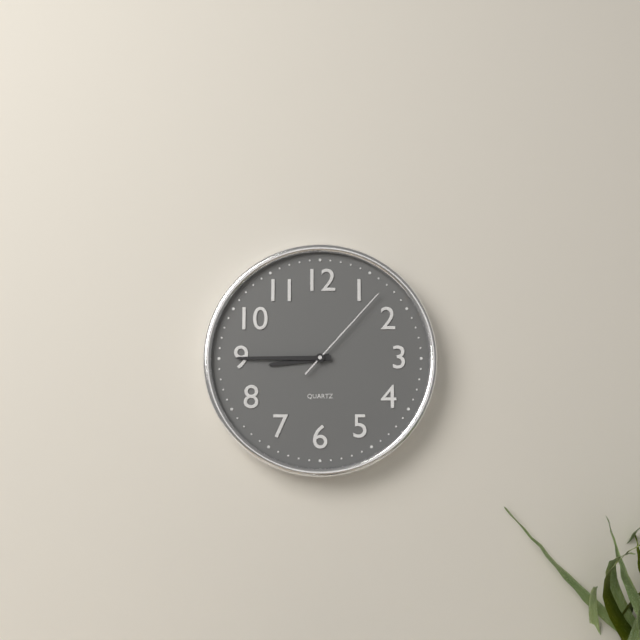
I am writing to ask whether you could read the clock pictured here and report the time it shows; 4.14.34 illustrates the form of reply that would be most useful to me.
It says 8.45.07
